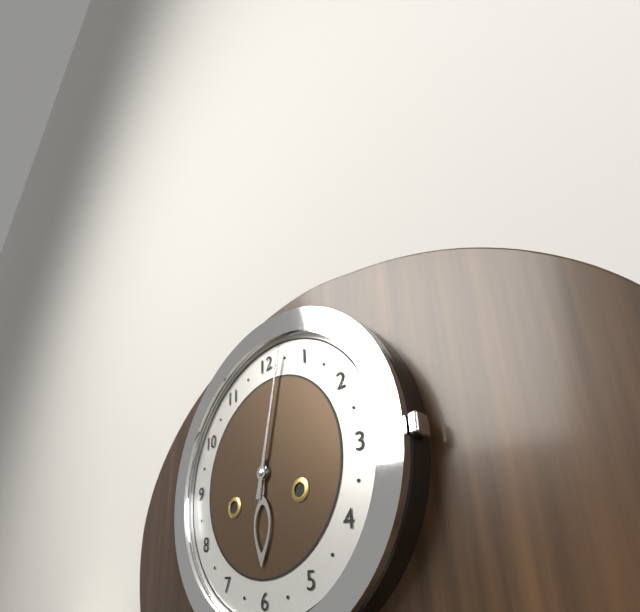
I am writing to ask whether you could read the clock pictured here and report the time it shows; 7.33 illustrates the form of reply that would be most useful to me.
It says 6.02
